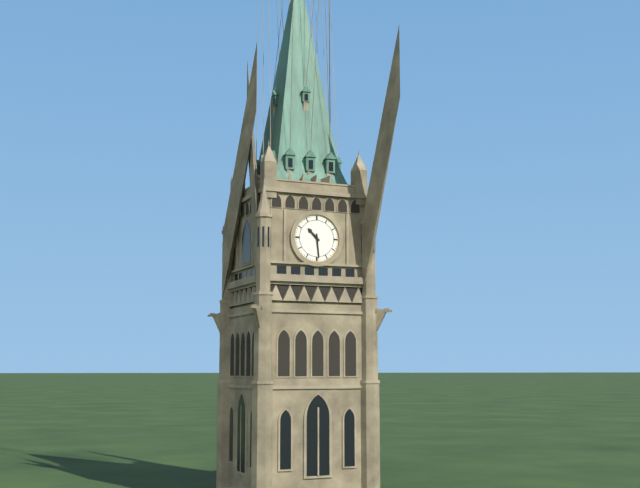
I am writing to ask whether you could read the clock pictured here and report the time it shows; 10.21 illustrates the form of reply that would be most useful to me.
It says 10.29
